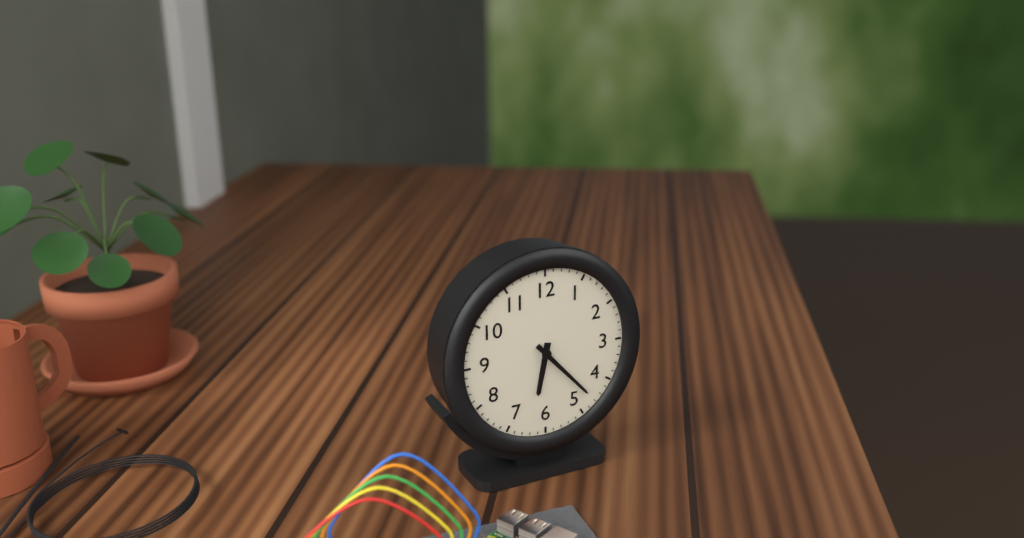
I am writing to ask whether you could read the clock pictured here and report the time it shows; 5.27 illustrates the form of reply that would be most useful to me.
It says 6.23
